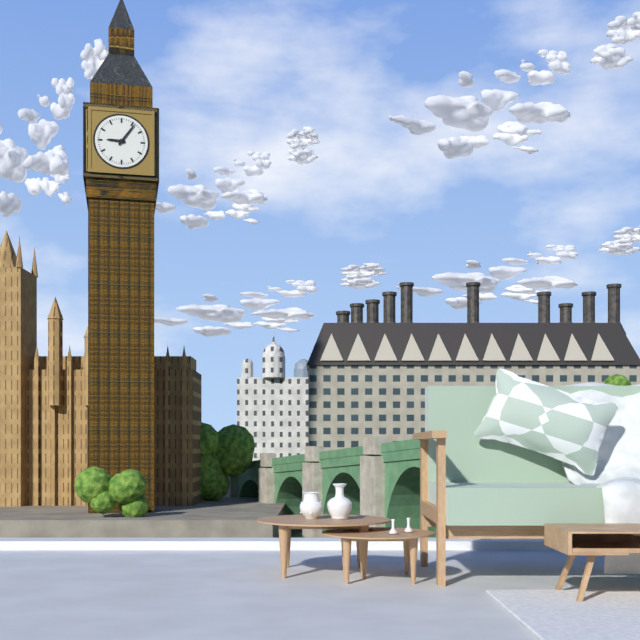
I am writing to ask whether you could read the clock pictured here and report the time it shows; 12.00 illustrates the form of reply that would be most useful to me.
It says 9.06
